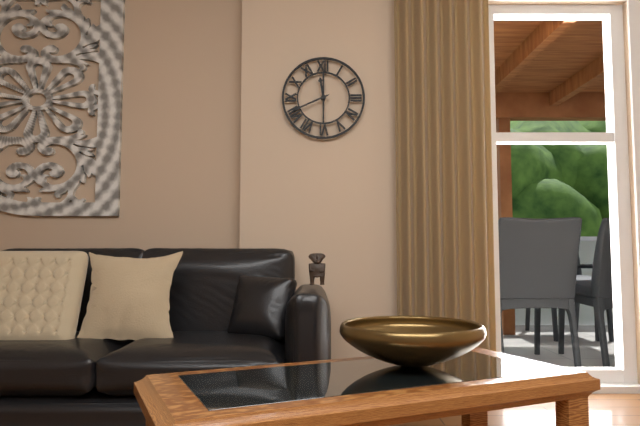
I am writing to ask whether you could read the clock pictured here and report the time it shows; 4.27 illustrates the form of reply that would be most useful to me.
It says 11.41
